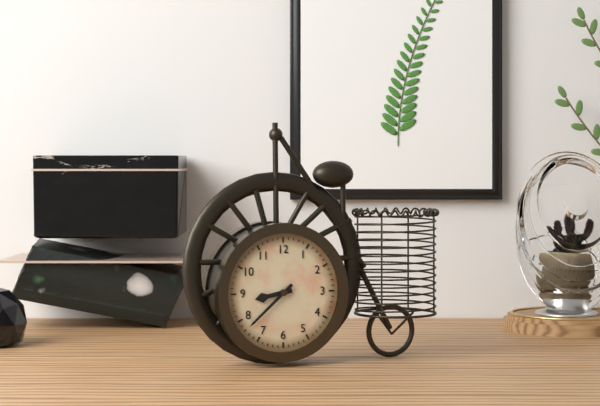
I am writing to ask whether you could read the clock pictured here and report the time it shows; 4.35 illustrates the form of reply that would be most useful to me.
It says 8.38
